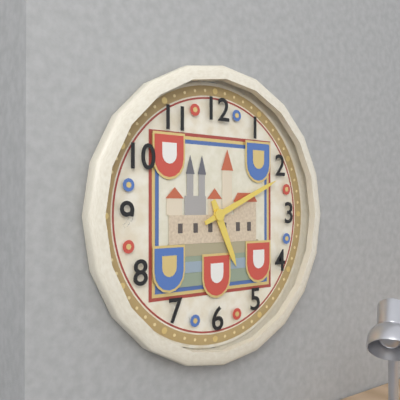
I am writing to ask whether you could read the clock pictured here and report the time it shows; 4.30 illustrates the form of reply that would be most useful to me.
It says 5.11
